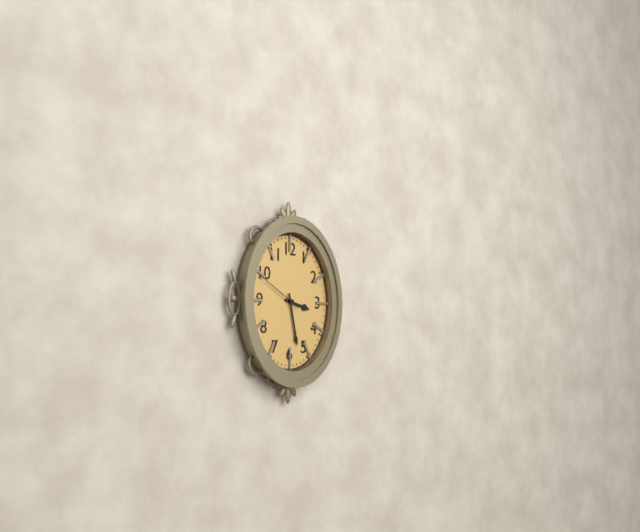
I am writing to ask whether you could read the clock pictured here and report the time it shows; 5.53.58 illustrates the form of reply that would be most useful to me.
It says 3.28.50
